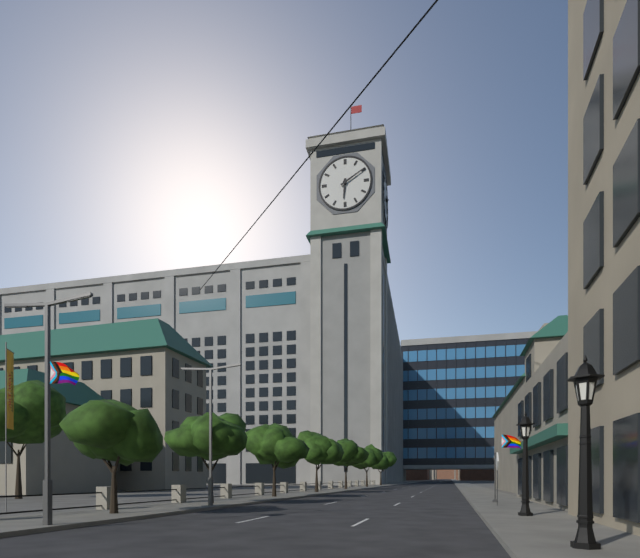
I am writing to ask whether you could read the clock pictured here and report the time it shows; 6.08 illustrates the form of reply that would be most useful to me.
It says 6.10
